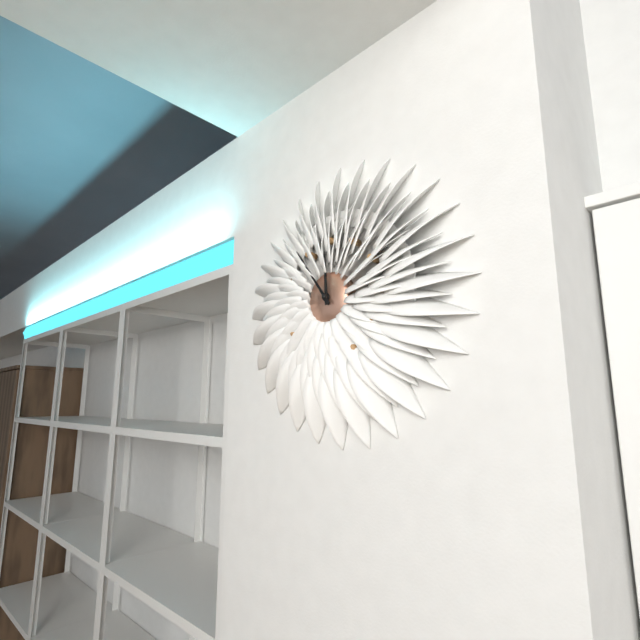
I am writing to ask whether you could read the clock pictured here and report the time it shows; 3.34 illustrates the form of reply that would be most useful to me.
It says 11.54
